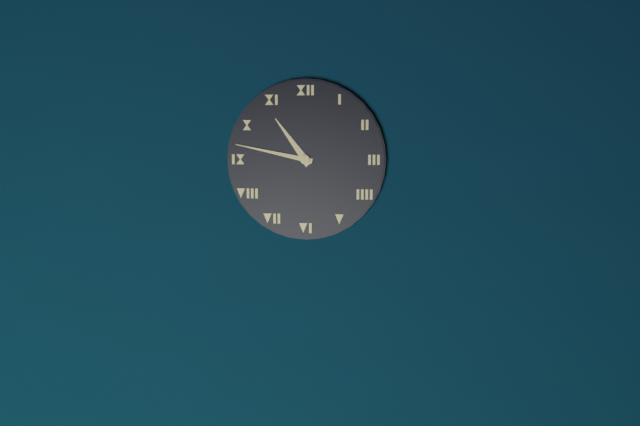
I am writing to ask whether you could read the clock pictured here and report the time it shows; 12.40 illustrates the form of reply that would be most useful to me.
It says 10.47
